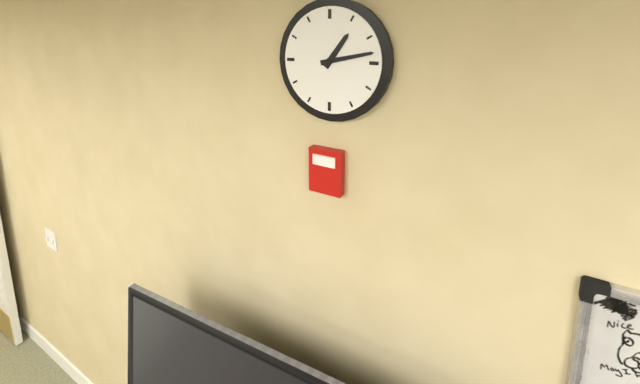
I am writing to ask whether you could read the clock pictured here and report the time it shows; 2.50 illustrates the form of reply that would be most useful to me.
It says 1.13
